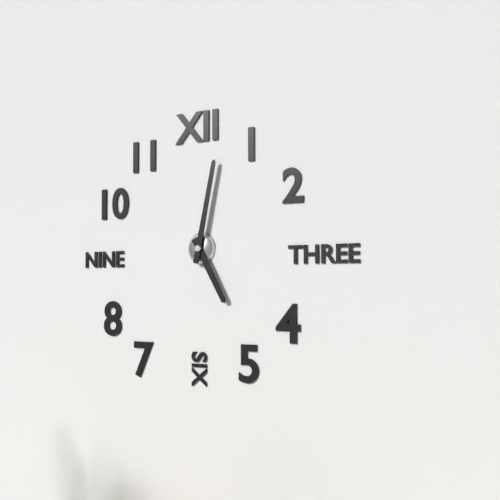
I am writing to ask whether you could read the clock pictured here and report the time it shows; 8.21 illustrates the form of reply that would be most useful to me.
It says 5.02
